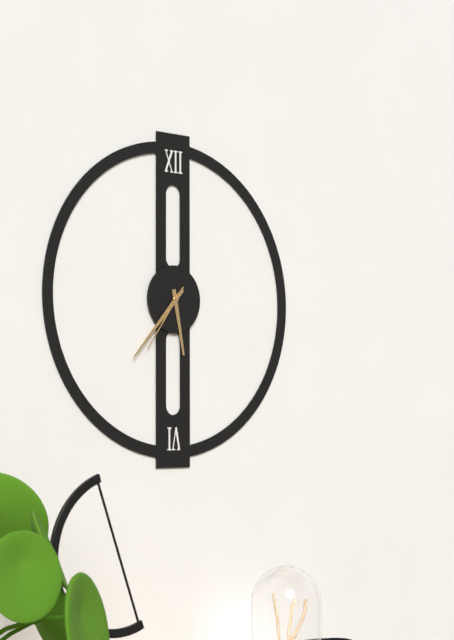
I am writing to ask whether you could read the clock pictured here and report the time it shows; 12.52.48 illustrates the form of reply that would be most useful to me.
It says 5.37.36
